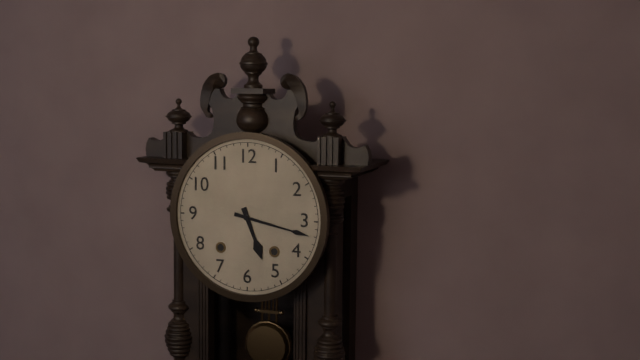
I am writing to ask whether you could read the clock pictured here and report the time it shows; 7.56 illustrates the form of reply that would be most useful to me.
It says 5.17
